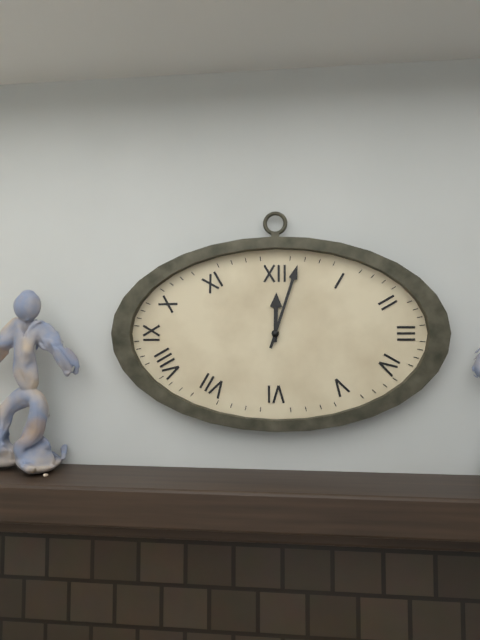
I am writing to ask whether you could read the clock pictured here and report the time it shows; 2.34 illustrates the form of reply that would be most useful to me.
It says 12.03
